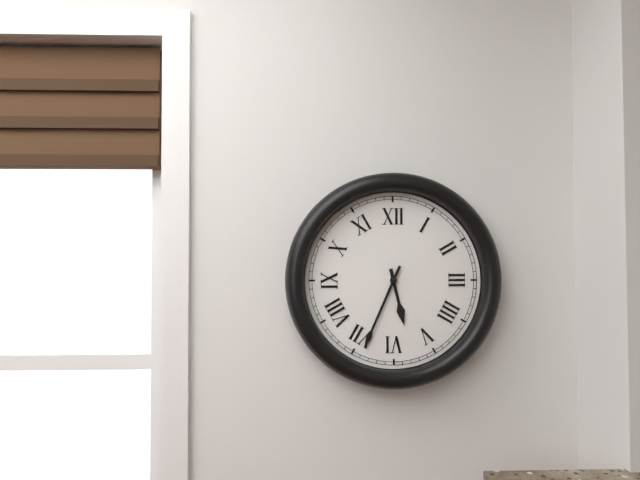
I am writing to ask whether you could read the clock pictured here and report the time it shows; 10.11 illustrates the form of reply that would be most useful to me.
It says 5.34
